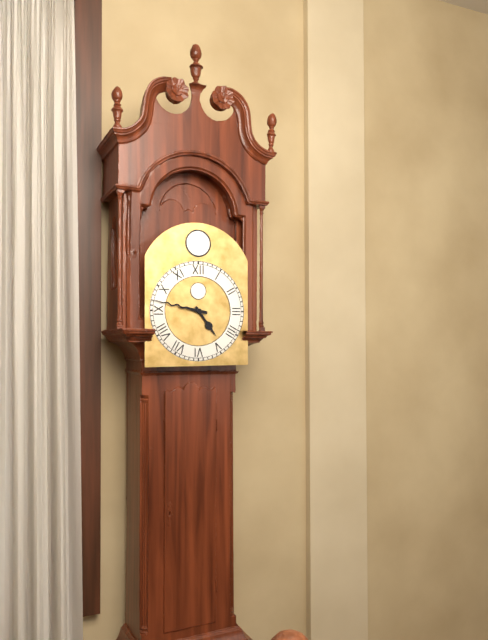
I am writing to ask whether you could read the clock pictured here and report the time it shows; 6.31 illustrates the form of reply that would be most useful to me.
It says 4.47
